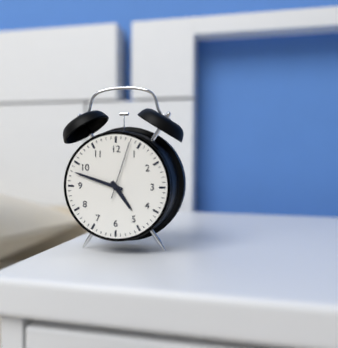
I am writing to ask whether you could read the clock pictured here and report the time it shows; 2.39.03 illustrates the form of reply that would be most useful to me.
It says 4.48.03
